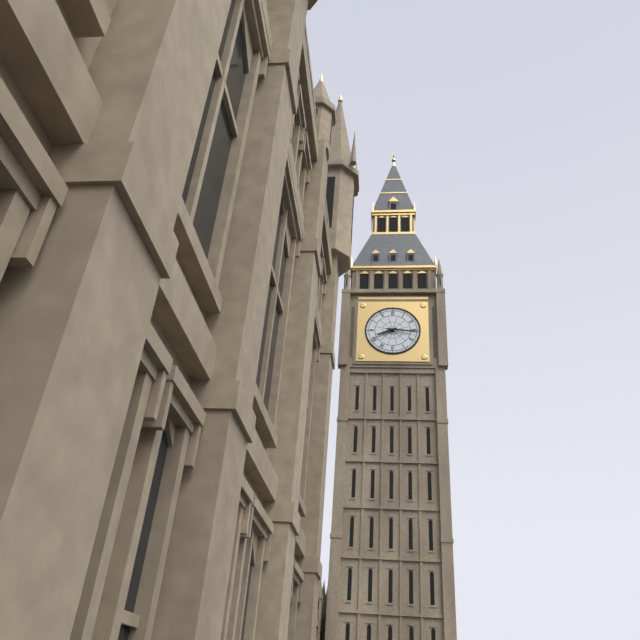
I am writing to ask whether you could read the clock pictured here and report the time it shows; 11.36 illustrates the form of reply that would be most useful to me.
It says 8.16
